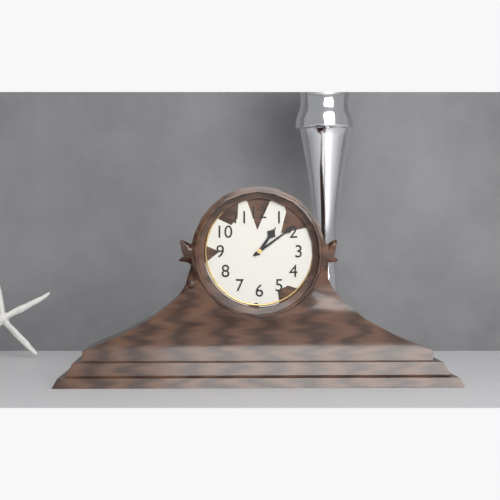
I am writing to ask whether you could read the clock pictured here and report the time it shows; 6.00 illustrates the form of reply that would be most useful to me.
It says 1.09
